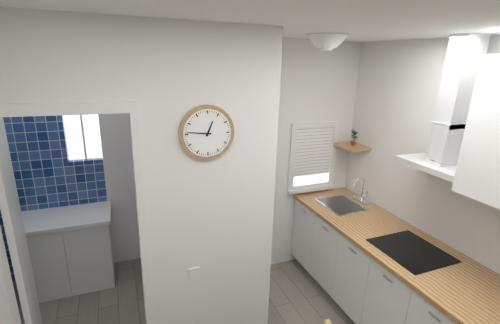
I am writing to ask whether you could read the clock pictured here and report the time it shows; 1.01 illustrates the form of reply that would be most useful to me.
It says 12.46
